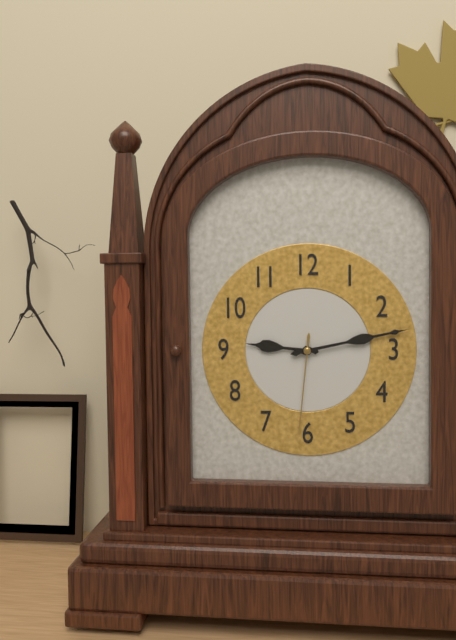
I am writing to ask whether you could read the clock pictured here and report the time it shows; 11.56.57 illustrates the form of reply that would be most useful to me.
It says 9.13.31
